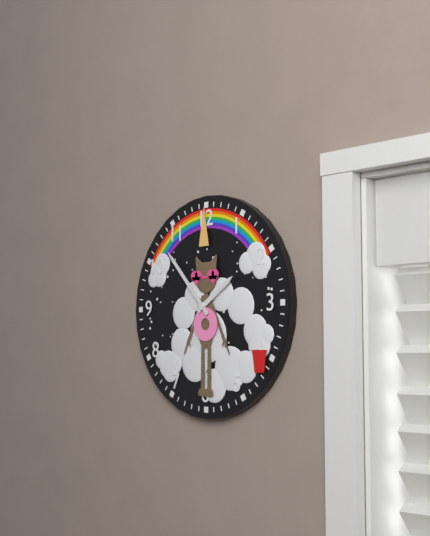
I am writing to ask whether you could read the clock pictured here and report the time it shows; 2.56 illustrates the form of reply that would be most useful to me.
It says 1.53
